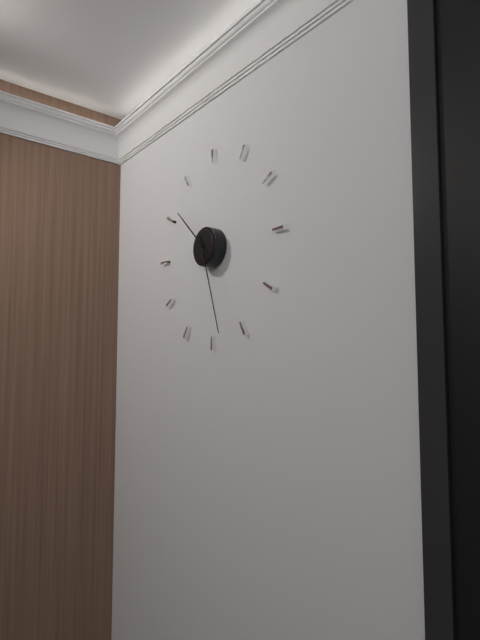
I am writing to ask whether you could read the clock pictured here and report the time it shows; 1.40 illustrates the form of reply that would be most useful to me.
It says 10.27
